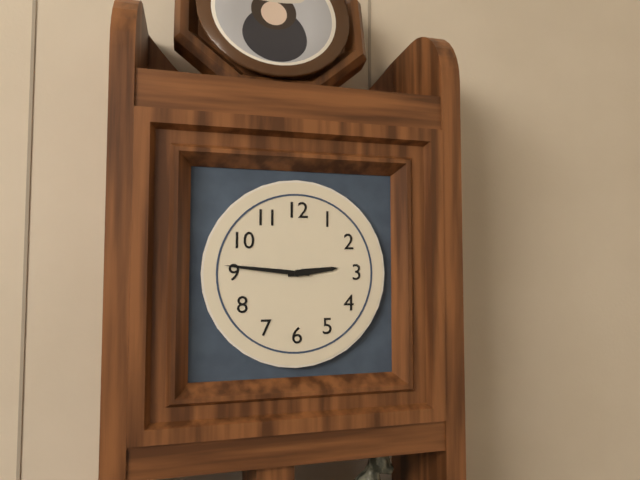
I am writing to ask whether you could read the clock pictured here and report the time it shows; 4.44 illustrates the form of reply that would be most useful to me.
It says 2.46
